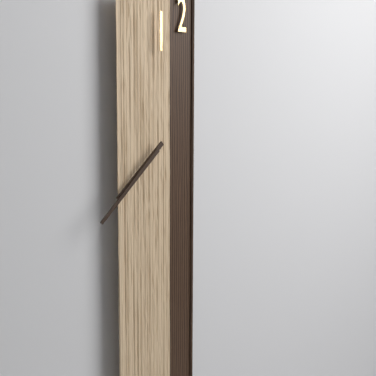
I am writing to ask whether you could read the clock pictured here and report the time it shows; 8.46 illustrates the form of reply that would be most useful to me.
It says 7.38
